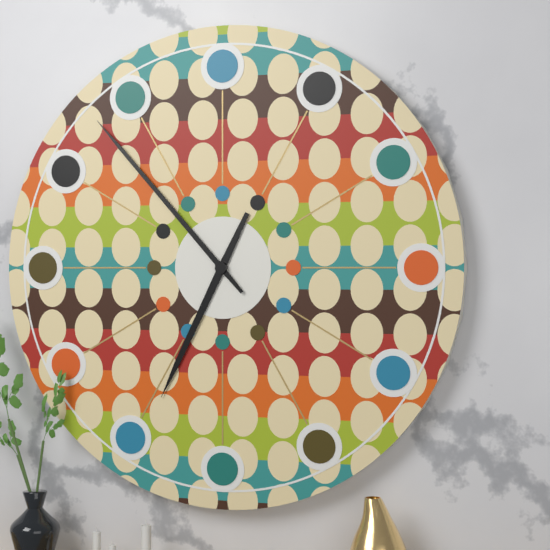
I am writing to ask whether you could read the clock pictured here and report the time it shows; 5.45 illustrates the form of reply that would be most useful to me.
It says 6.53
